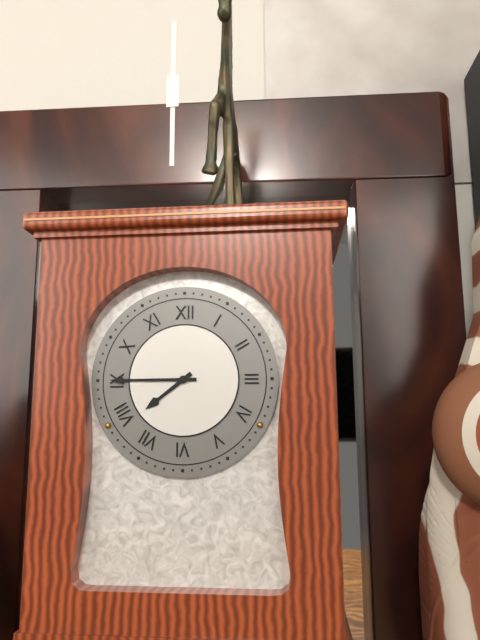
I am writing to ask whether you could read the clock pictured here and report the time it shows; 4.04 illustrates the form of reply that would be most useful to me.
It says 7.45
